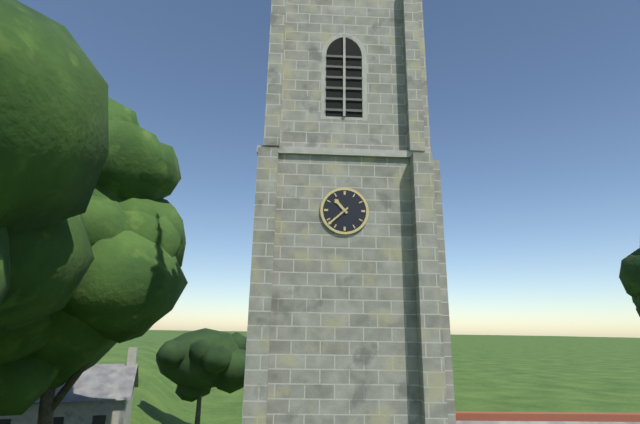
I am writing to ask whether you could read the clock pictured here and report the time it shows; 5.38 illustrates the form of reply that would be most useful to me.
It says 10.38
